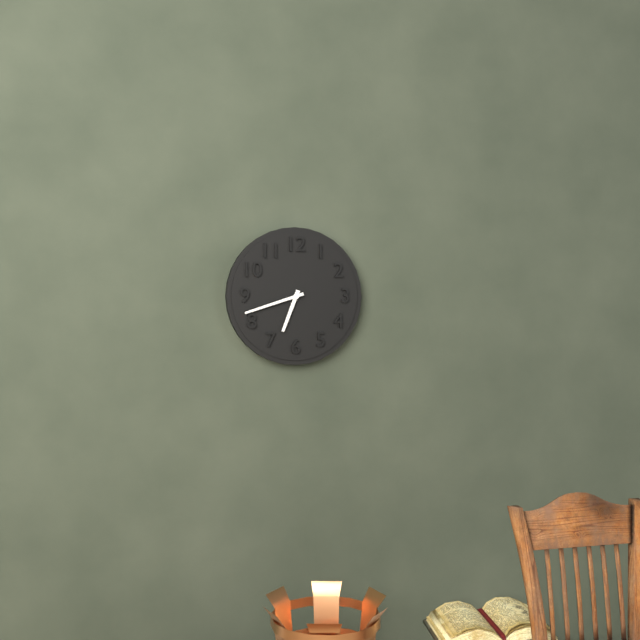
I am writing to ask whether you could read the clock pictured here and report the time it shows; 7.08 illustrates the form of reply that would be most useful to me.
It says 6.42
